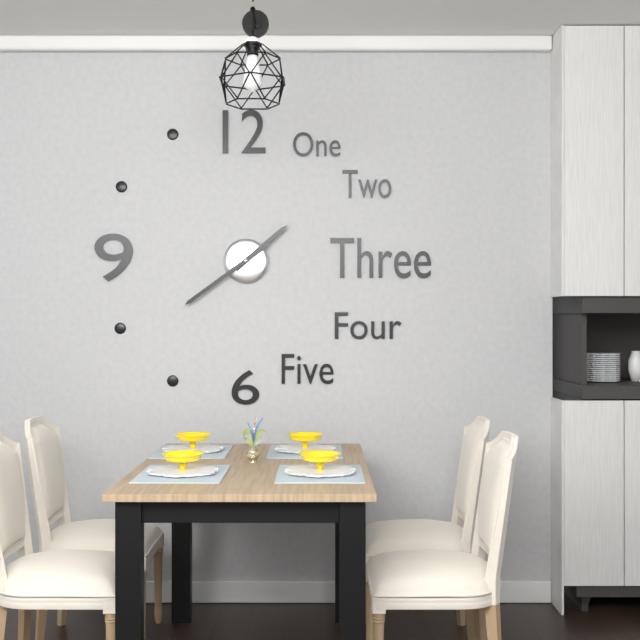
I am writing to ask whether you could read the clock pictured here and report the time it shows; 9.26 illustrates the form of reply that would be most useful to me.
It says 1.39
